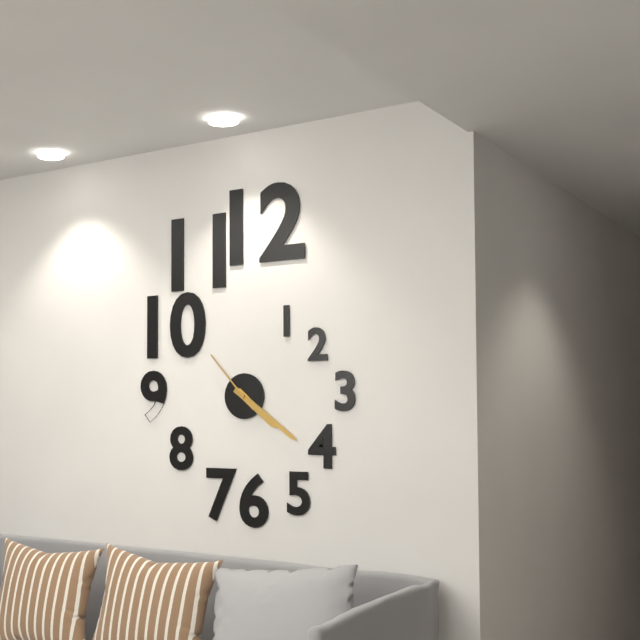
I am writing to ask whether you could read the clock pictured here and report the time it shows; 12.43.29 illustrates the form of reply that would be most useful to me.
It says 4.21.53
